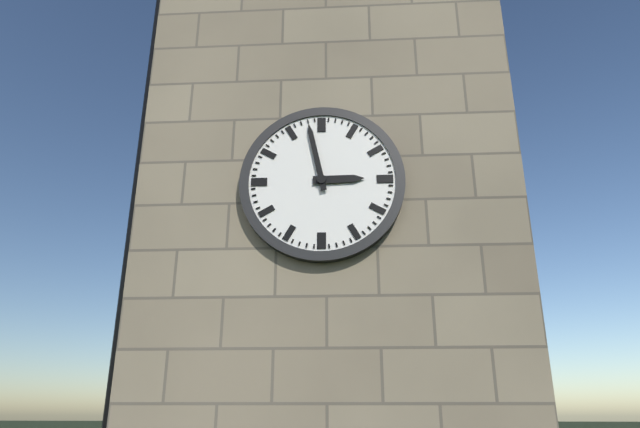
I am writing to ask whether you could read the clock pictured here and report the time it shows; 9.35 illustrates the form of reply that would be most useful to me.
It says 2.58
